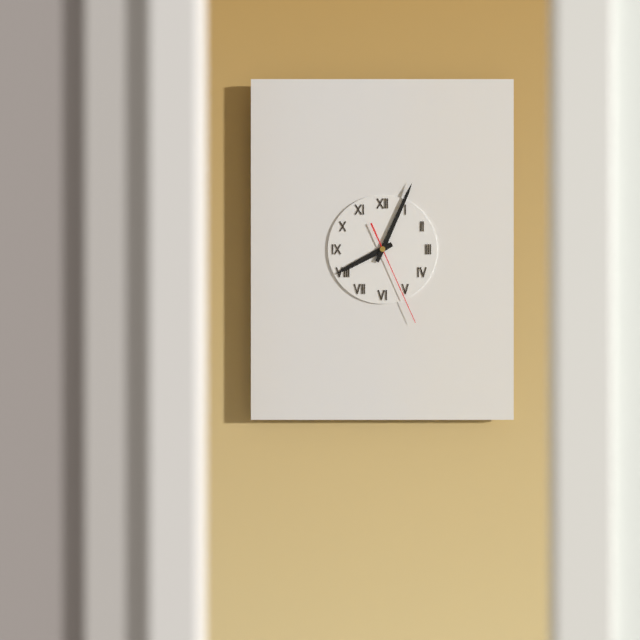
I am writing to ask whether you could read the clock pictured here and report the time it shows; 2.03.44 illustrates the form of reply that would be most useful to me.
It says 8.04.26
